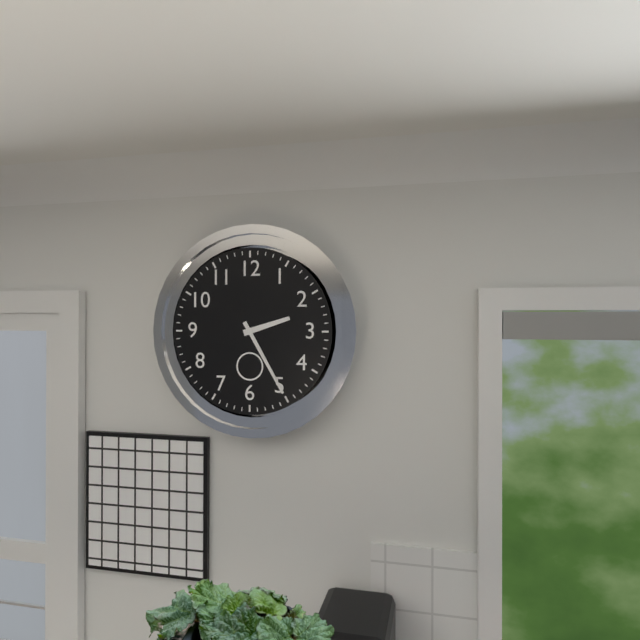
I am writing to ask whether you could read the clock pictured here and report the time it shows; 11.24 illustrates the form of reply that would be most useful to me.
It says 2.25
